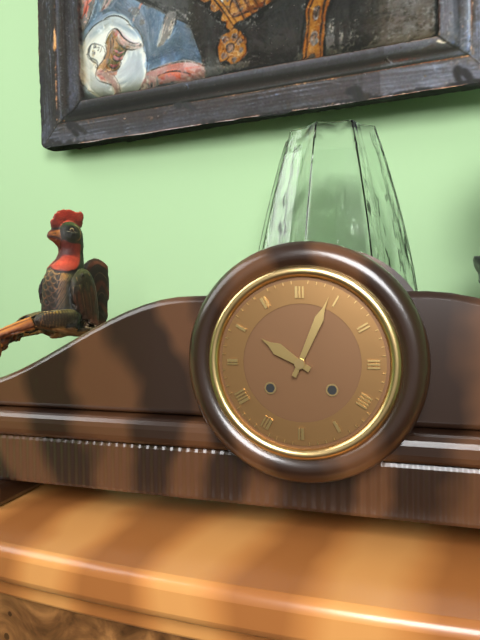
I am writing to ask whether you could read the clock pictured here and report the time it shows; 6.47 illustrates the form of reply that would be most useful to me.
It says 10.04
